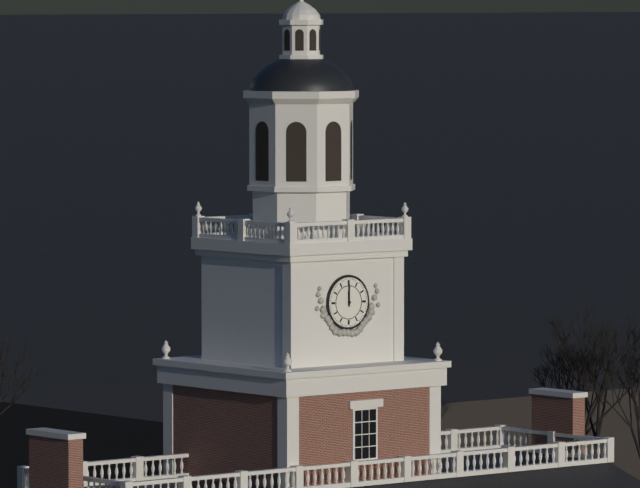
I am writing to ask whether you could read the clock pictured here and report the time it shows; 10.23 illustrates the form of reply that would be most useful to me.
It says 12.00
